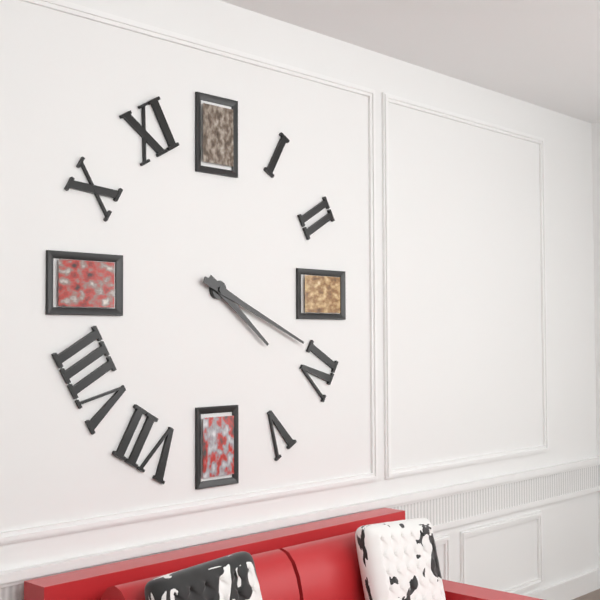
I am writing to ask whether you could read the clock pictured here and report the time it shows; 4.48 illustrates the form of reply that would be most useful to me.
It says 4.19
